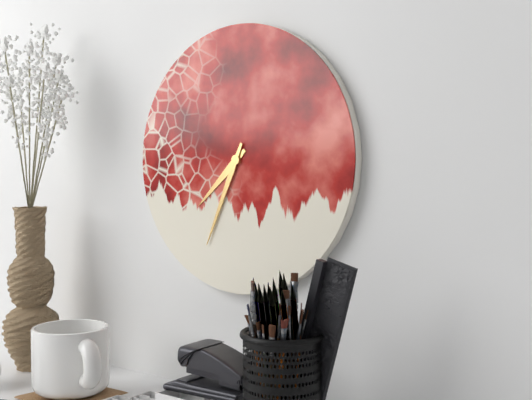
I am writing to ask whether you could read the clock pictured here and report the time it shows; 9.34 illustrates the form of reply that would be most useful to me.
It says 7.34
